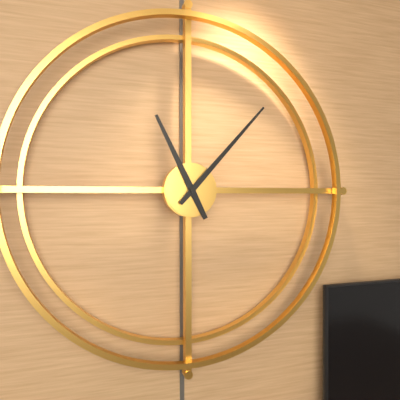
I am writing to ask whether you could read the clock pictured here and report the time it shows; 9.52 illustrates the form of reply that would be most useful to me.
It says 11.07
